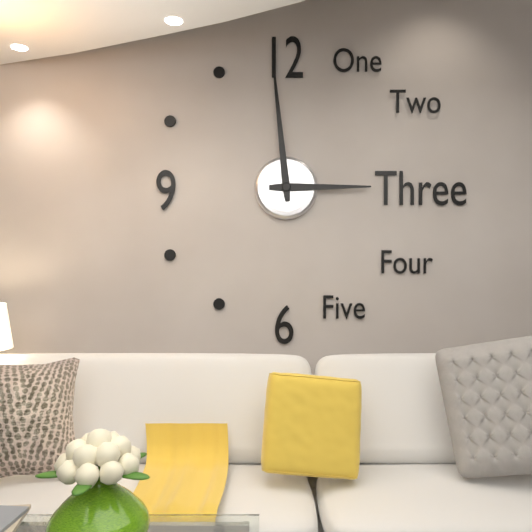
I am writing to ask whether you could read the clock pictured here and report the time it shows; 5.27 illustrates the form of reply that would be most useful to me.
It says 2.59
